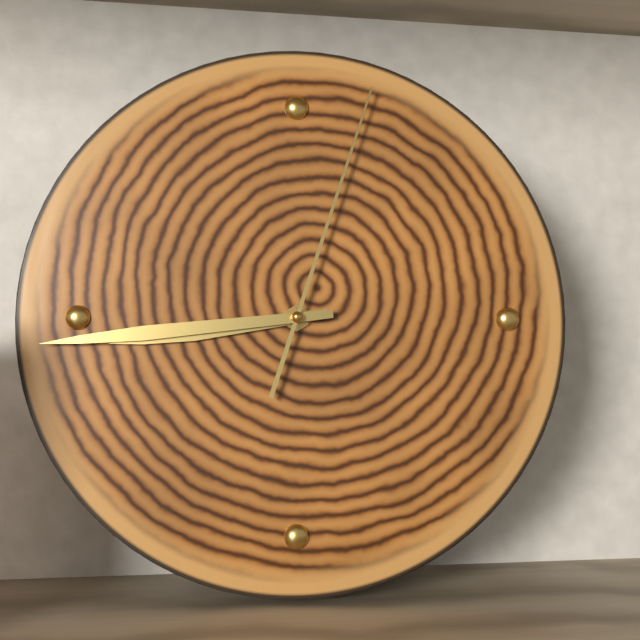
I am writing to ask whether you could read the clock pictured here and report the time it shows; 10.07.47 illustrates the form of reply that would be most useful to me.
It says 8.44.03
